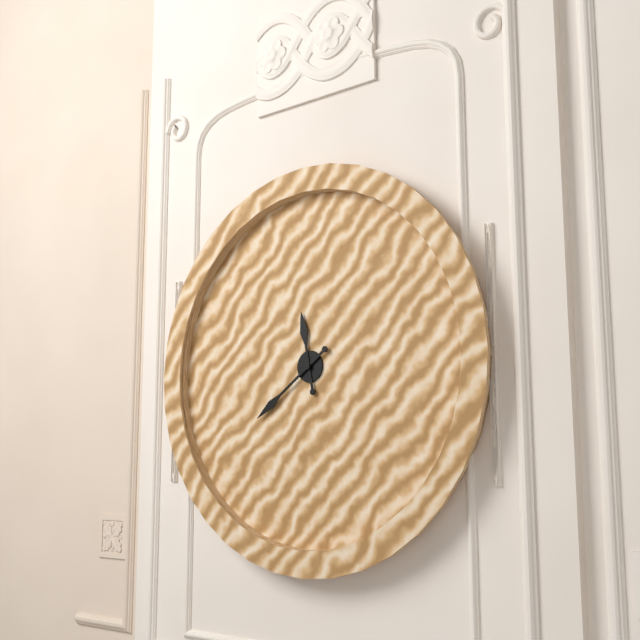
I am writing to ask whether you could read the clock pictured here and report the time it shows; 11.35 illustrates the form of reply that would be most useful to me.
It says 11.39
